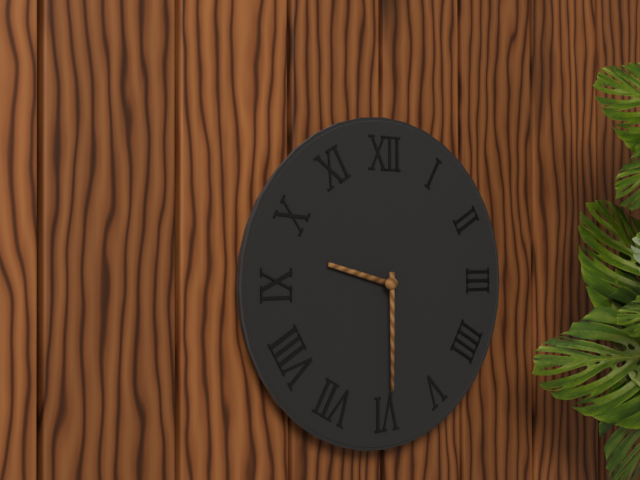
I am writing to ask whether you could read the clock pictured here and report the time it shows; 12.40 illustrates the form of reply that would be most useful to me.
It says 9.30
